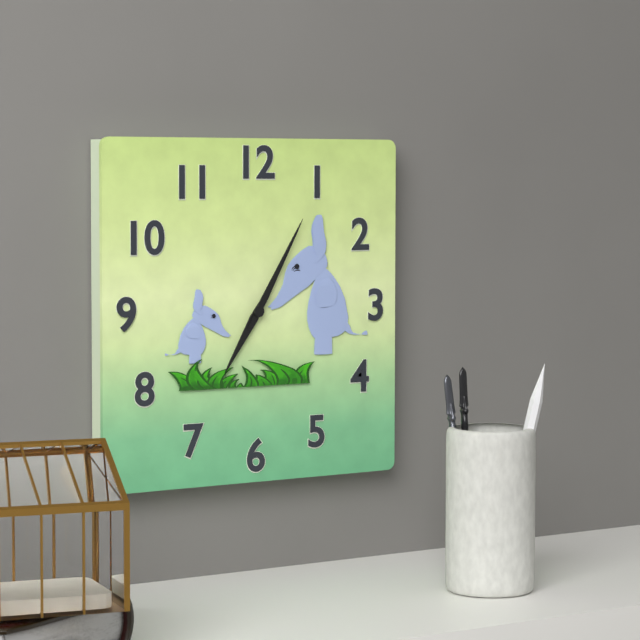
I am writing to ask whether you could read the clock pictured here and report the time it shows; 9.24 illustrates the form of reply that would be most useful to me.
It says 7.05
